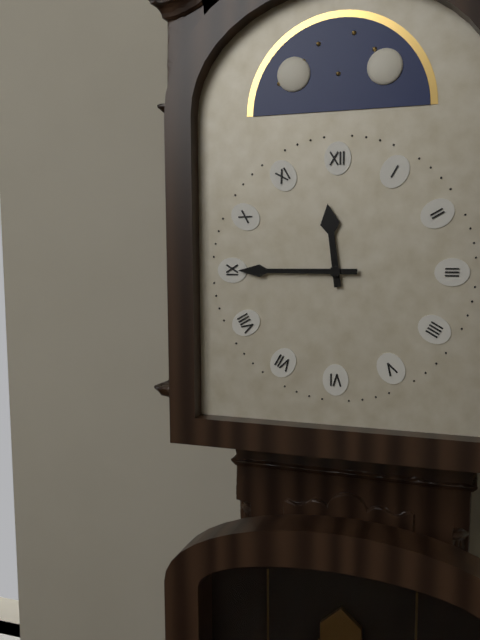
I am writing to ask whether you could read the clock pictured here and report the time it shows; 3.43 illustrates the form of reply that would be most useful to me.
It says 11.45
